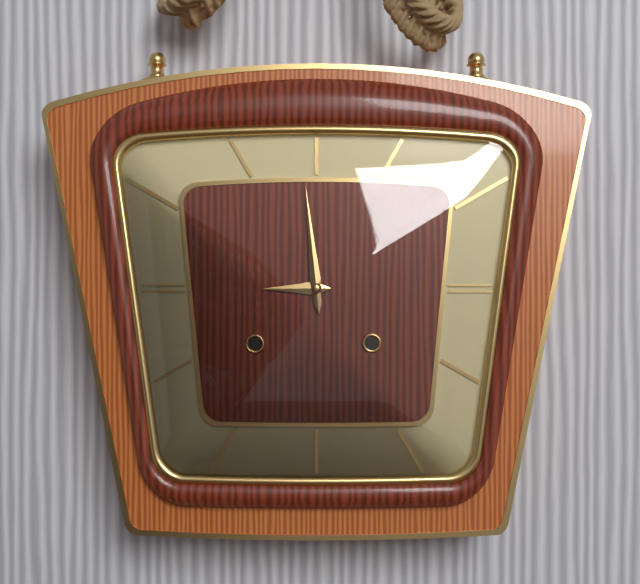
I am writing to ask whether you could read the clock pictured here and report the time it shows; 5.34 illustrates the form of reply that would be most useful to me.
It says 8.59
